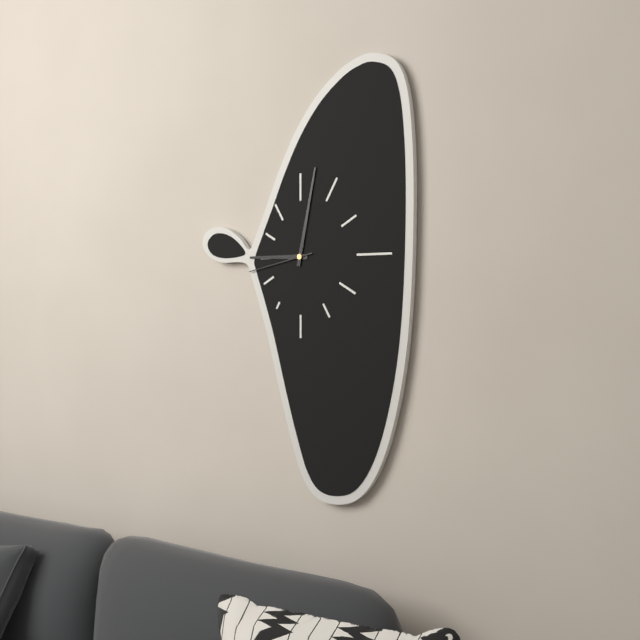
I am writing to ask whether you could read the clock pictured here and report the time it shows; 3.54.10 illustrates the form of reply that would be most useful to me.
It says 9.02.43
